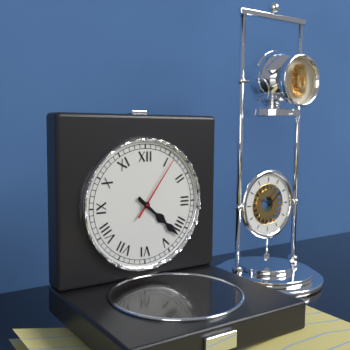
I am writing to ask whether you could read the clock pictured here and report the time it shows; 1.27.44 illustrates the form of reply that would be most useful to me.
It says 4.22.06
